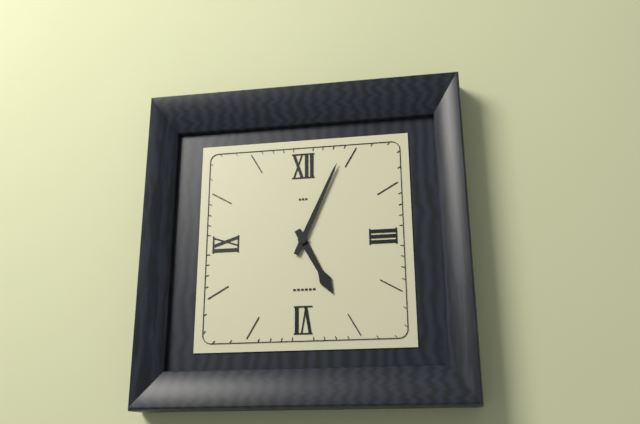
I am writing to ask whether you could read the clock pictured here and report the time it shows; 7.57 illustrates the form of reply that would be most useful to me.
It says 5.04
